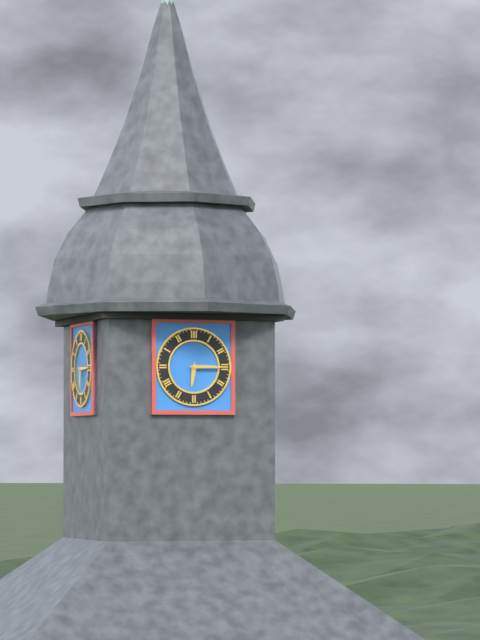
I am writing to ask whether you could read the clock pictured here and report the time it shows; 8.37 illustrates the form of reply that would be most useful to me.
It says 6.15
